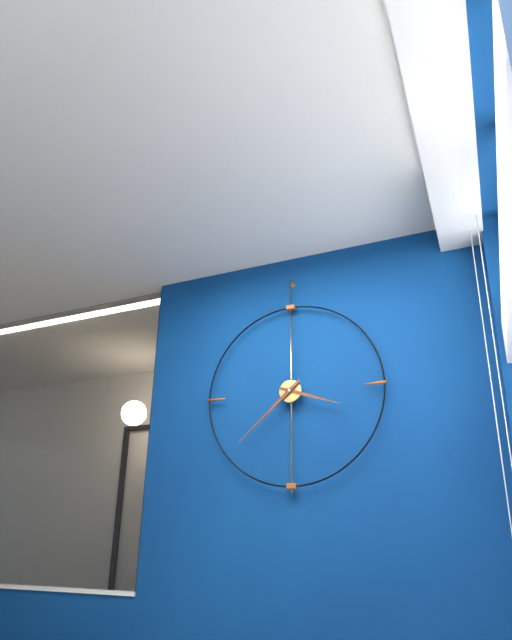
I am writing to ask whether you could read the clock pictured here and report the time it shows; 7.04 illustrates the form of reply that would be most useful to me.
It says 3.38
